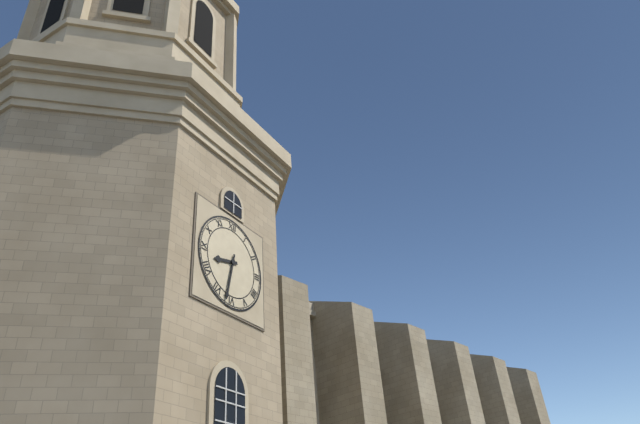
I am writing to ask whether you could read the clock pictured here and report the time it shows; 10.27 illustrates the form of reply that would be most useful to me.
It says 8.32
